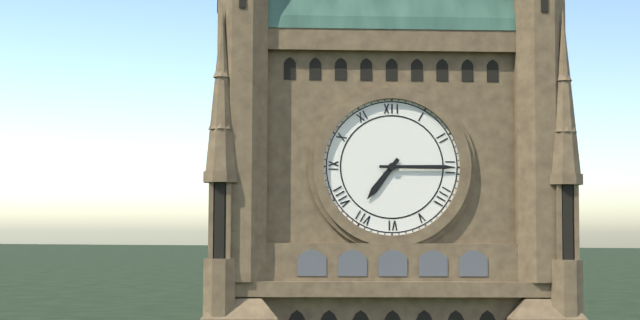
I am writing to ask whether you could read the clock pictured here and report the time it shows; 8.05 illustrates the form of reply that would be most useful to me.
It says 7.15
